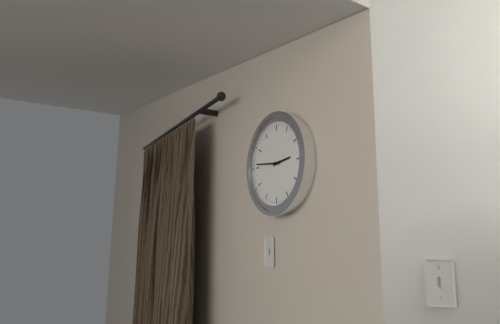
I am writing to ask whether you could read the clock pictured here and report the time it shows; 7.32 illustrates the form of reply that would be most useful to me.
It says 2.46
